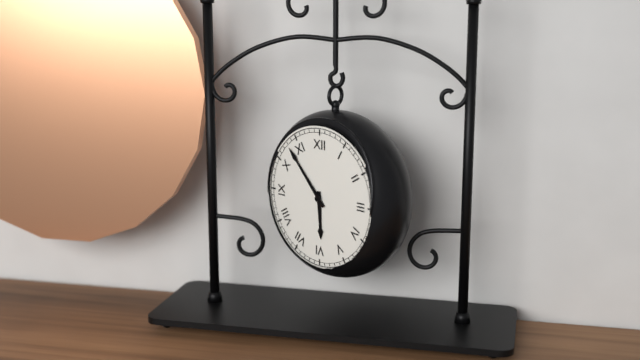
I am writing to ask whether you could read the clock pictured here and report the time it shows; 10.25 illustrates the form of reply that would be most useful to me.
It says 5.53
